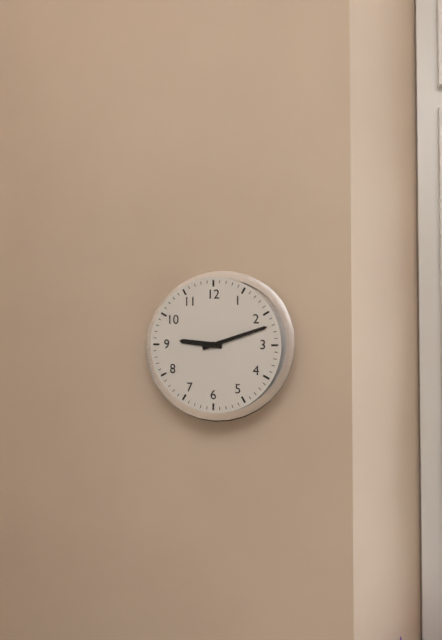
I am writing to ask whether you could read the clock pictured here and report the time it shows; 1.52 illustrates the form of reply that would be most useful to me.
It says 9.12
